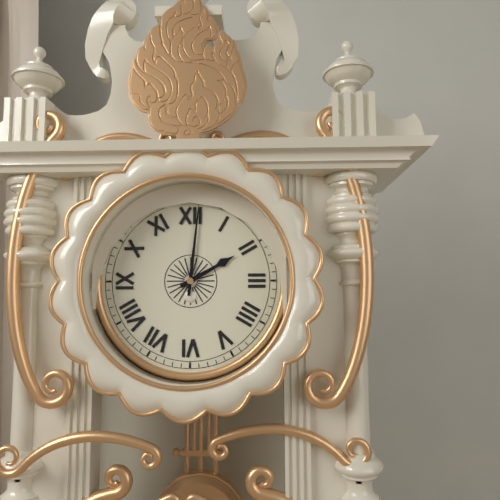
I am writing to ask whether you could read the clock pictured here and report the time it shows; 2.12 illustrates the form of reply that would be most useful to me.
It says 2.01
